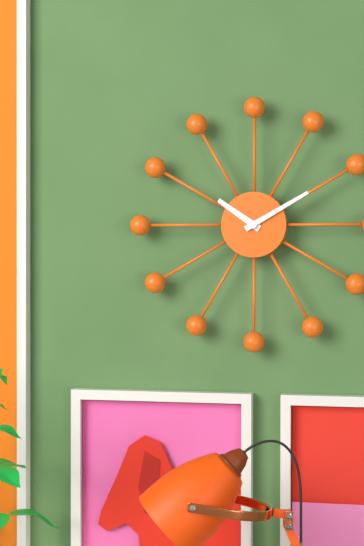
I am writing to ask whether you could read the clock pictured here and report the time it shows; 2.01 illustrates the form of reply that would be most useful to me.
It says 10.10
